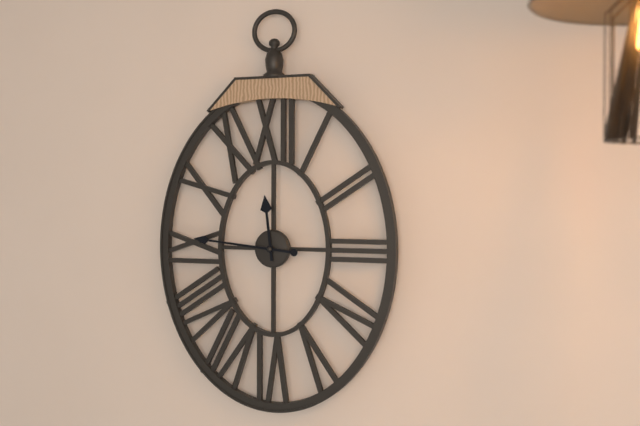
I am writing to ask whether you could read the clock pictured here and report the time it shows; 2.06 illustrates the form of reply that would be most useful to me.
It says 11.46
